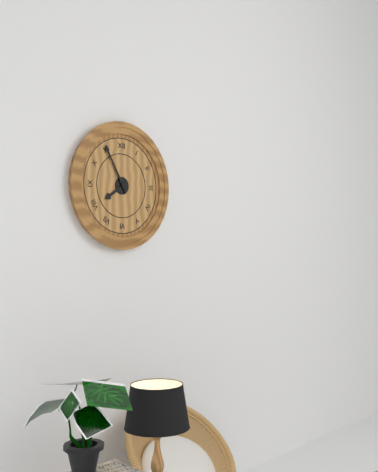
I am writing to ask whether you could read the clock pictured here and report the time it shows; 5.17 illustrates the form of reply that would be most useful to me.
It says 7.55
